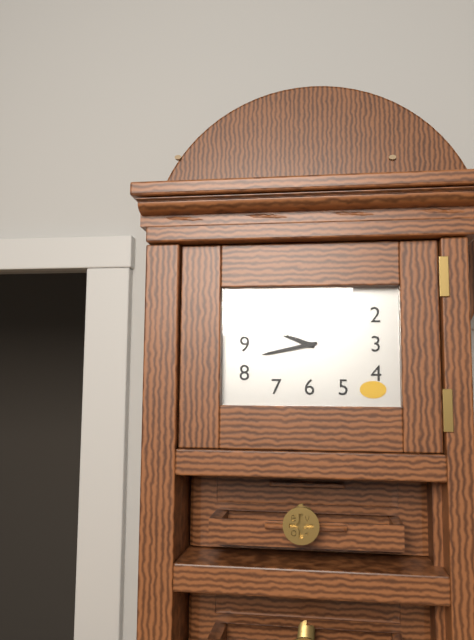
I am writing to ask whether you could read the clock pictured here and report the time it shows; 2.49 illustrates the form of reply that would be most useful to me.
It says 9.43
